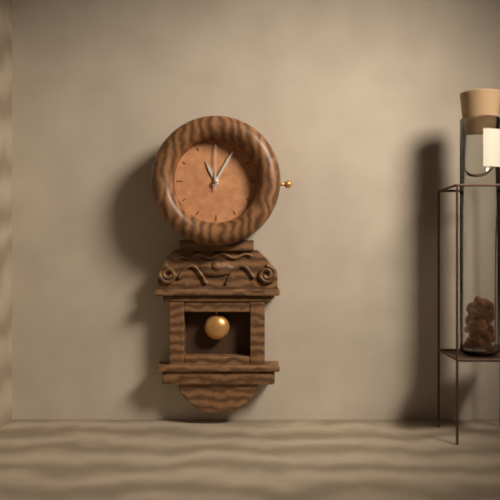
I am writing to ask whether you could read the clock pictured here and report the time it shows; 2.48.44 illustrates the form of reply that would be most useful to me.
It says 11.05.00
